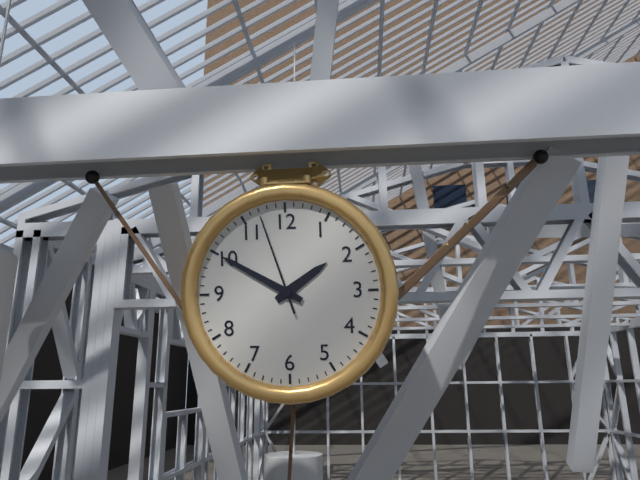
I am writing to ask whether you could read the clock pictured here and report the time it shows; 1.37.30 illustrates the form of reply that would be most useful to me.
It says 1.50.57
